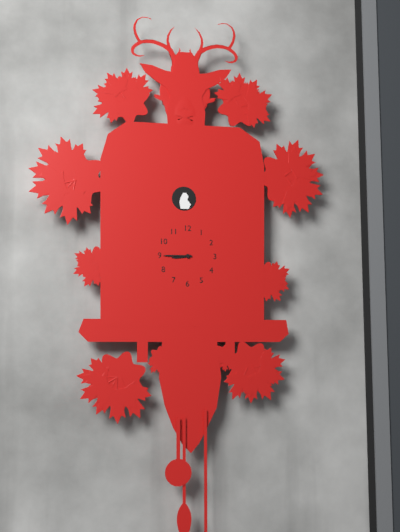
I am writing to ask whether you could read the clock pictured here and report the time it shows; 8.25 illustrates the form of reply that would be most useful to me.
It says 8.45
